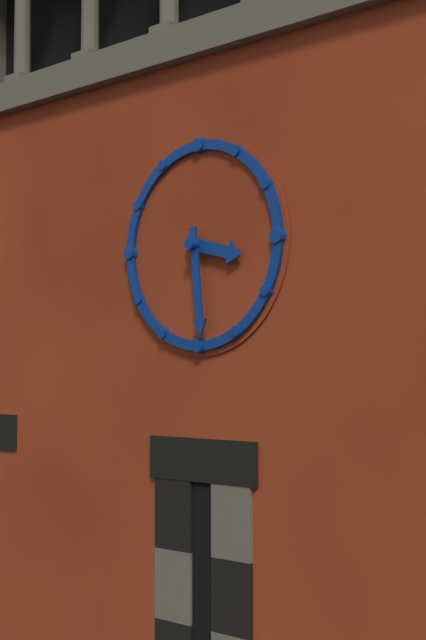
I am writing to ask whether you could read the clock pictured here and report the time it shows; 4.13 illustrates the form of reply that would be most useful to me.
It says 3.29
